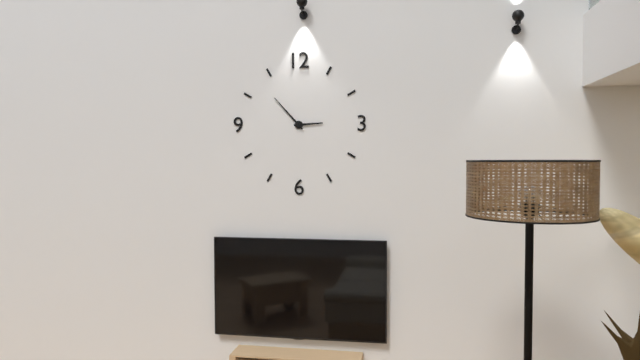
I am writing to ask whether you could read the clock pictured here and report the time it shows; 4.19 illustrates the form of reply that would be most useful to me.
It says 2.53
